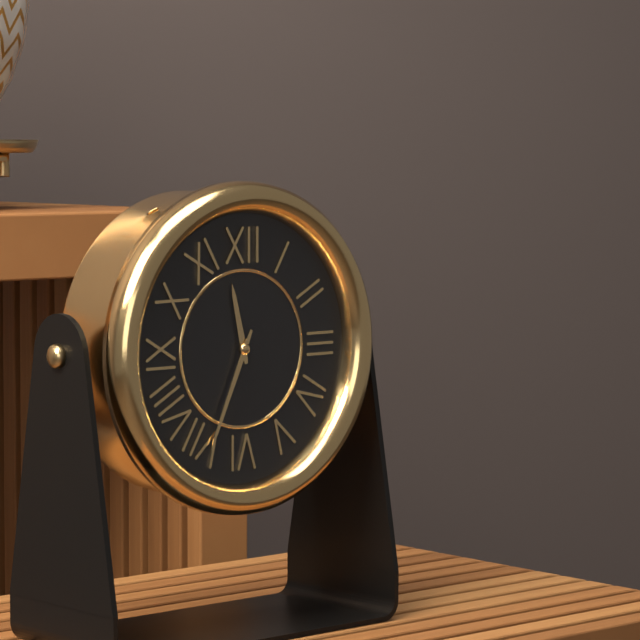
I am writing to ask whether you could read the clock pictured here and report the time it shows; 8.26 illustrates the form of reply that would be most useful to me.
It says 11.34
